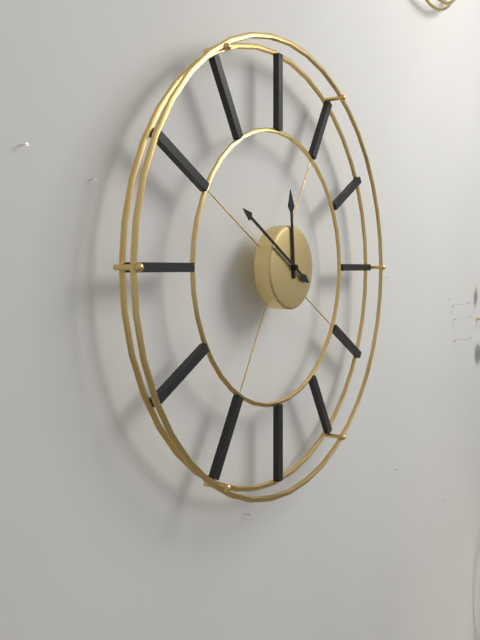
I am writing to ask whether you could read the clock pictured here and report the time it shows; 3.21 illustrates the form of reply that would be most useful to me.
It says 11.50
